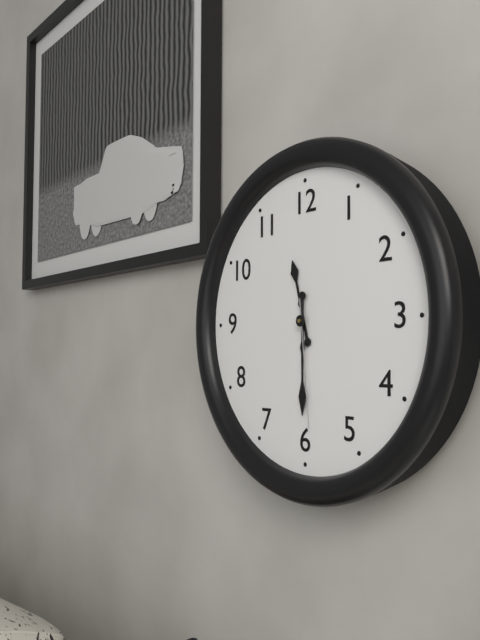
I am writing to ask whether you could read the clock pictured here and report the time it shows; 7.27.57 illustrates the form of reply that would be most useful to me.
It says 11.30.29
